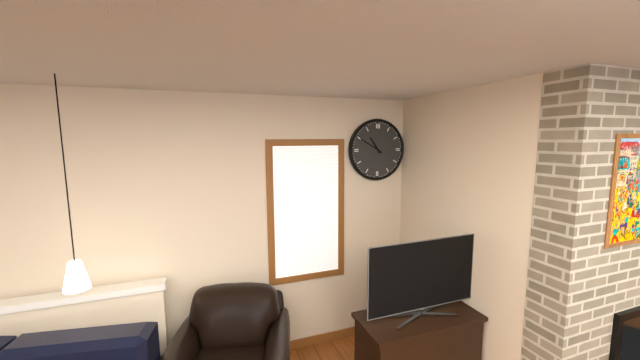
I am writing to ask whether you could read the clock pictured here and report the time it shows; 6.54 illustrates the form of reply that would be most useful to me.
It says 10.50
